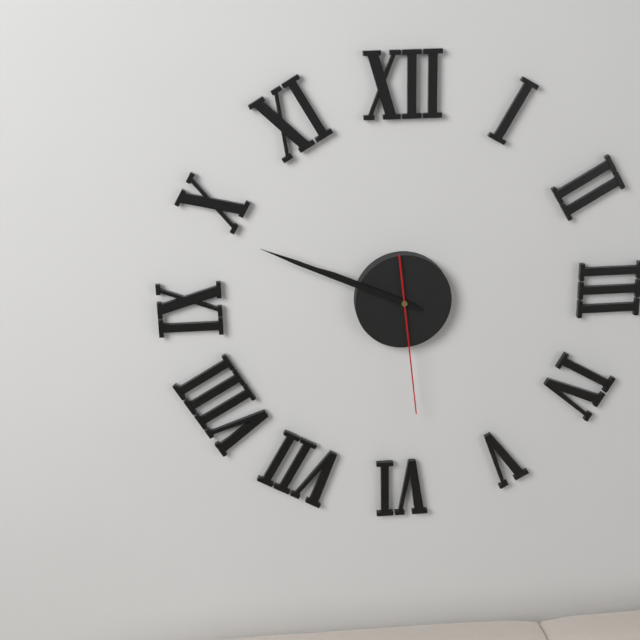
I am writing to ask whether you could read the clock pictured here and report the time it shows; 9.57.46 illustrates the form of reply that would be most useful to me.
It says 9.49.29
